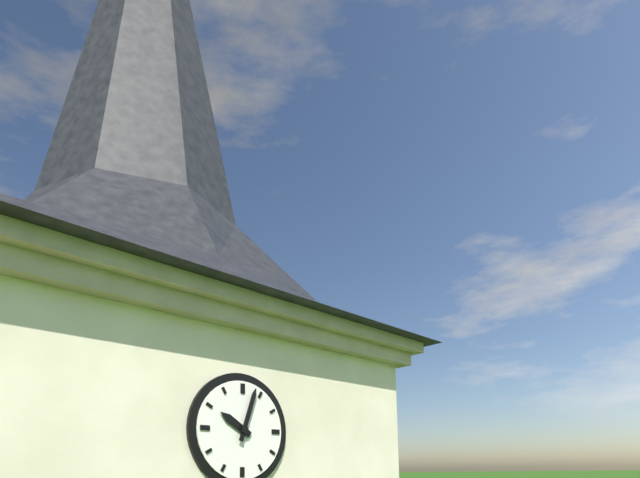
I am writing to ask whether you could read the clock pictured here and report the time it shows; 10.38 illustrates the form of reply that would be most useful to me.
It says 10.03
